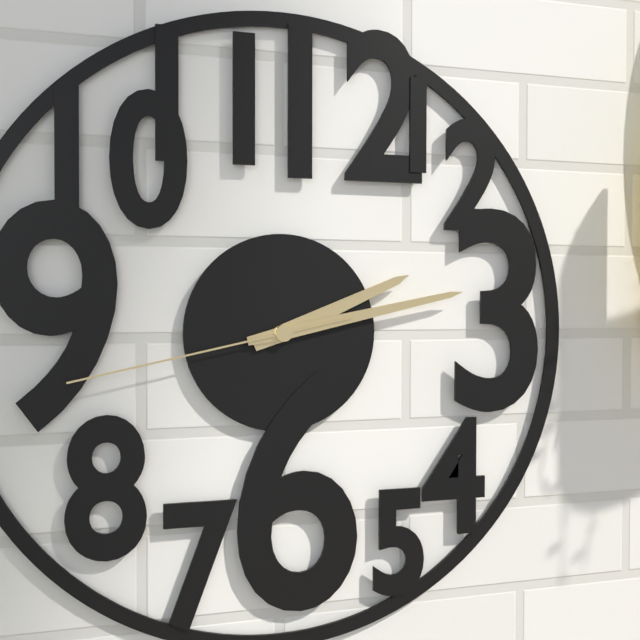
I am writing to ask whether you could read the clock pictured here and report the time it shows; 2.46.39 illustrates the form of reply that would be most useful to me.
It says 2.13.43
